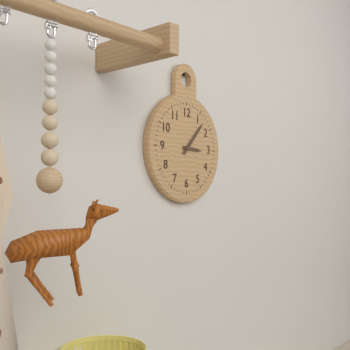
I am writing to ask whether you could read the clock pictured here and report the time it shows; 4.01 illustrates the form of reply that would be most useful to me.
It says 3.07
